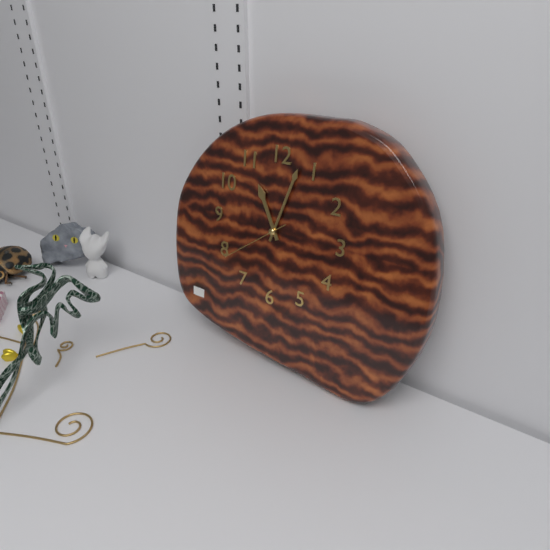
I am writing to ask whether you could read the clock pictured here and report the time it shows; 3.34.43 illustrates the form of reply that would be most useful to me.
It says 11.03.39
